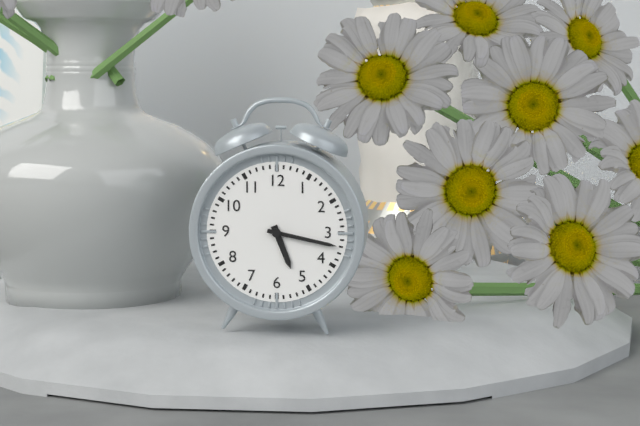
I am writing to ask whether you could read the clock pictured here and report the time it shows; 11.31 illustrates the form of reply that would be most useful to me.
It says 5.17
